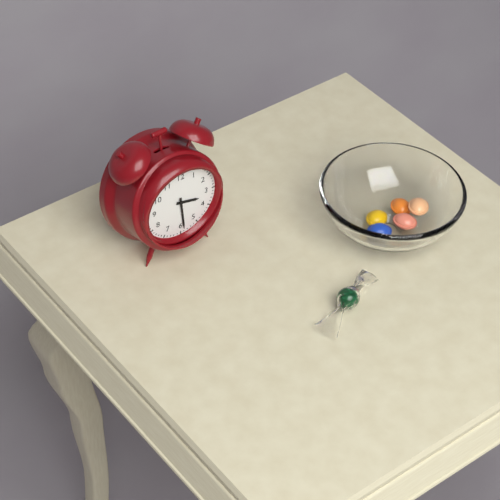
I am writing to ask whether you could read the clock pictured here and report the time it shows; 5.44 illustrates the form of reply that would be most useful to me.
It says 3.29
